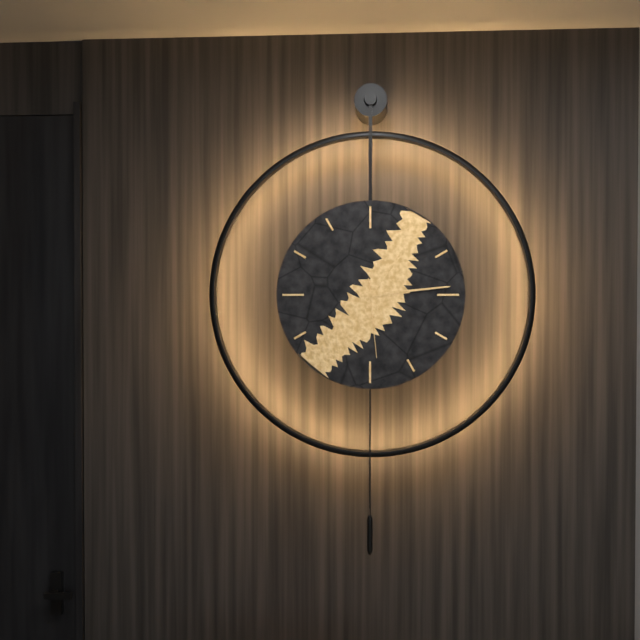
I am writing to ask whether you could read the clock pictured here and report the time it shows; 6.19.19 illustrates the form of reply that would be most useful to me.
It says 1.14.29
